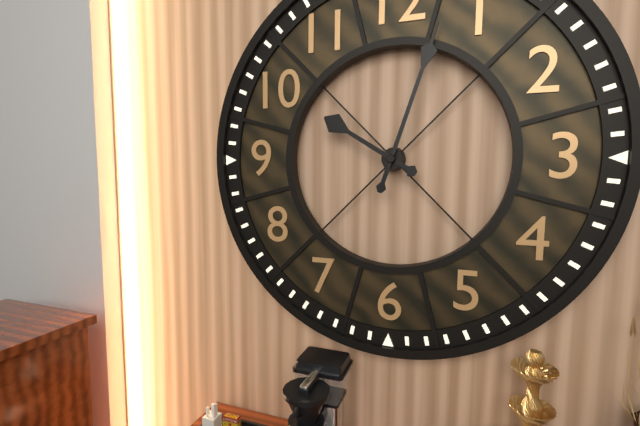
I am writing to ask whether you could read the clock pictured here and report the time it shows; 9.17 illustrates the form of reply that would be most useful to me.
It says 10.03
